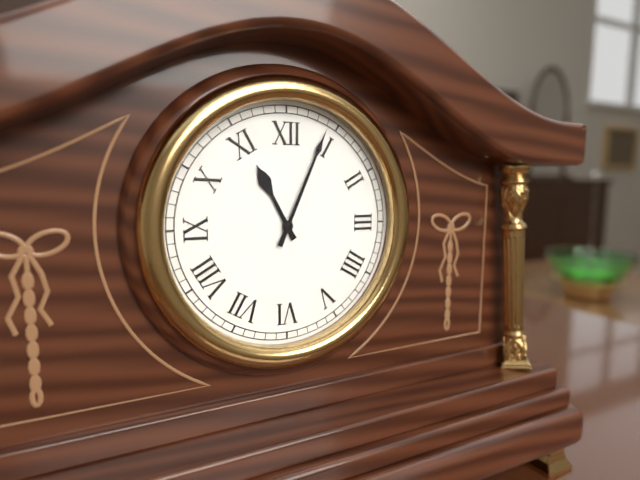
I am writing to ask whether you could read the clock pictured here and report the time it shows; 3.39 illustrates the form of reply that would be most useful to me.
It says 11.04
